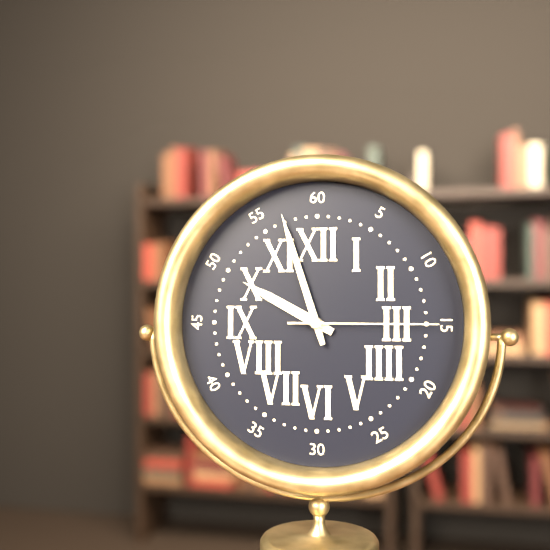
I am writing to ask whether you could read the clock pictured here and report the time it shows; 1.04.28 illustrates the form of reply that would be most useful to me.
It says 9.57.15
